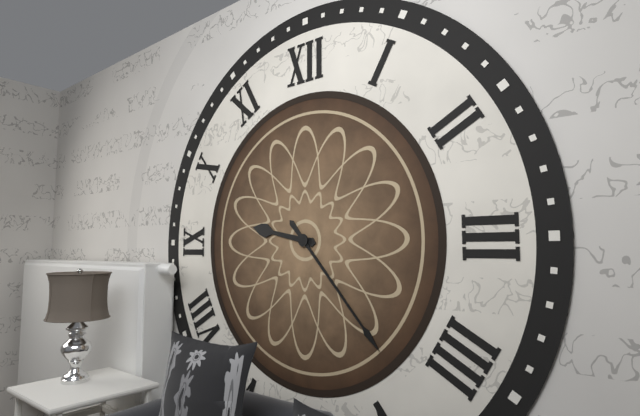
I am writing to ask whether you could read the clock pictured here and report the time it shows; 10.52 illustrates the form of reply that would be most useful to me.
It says 9.23
